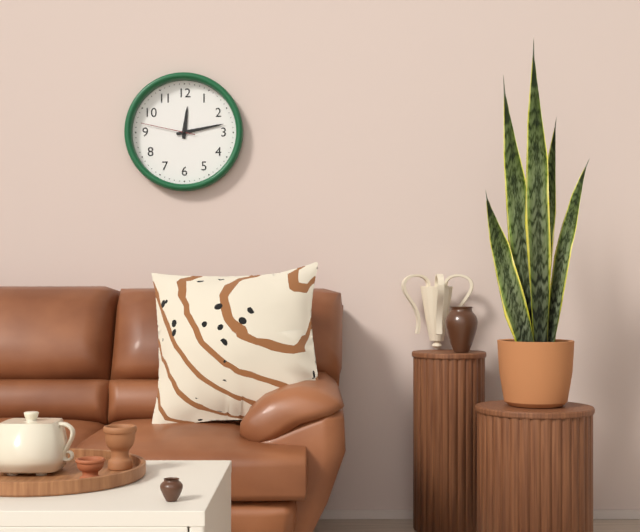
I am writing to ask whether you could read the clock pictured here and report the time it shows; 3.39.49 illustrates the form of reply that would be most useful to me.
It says 12.13.47
